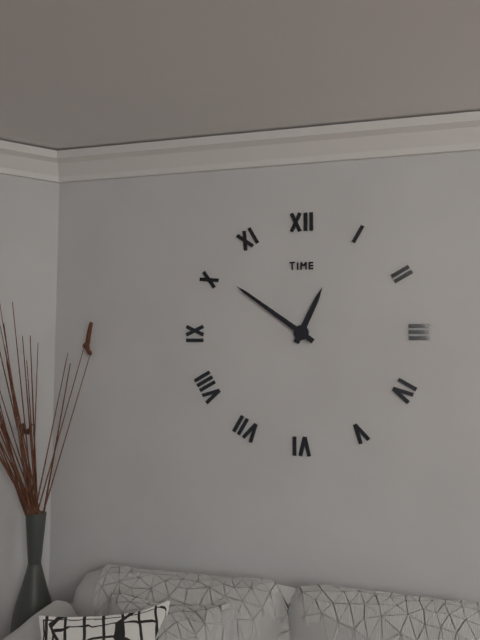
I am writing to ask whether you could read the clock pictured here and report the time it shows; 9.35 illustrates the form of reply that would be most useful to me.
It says 12.51
